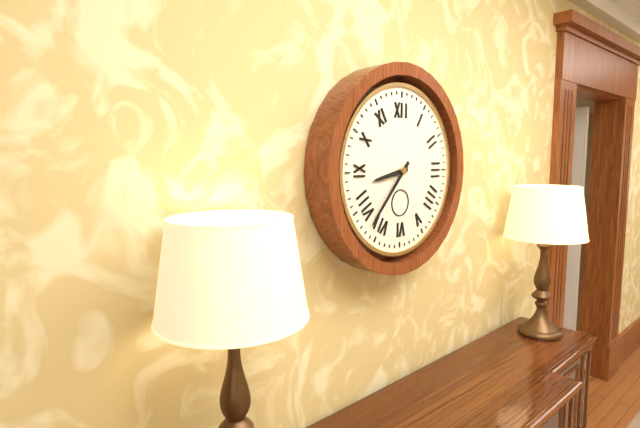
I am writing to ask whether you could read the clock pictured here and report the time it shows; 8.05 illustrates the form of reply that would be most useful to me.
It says 8.37
